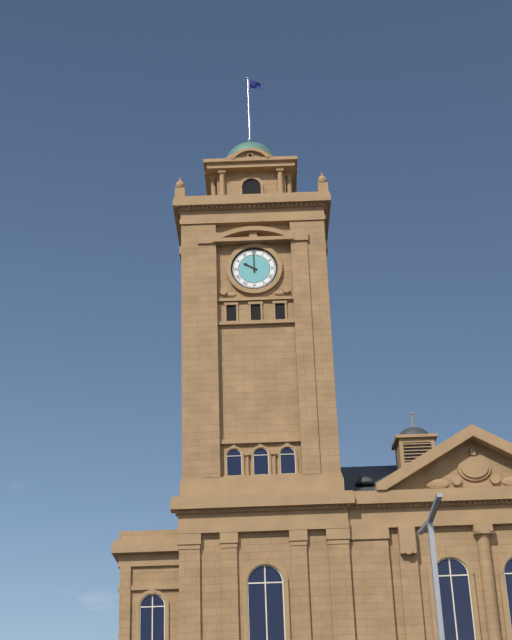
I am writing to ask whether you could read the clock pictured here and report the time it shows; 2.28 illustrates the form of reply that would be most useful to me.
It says 10.00
